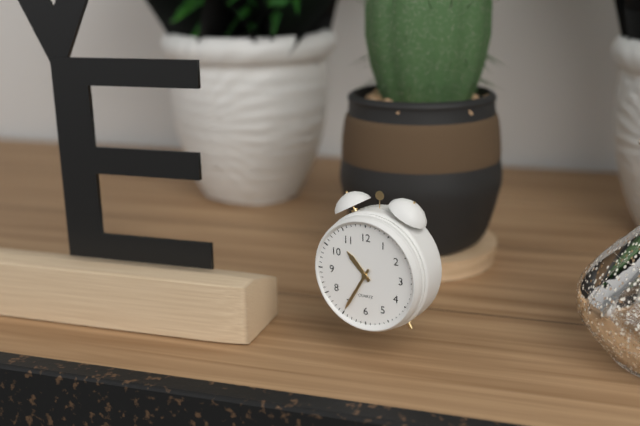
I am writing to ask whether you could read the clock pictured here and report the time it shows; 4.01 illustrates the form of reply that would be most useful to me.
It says 10.35
